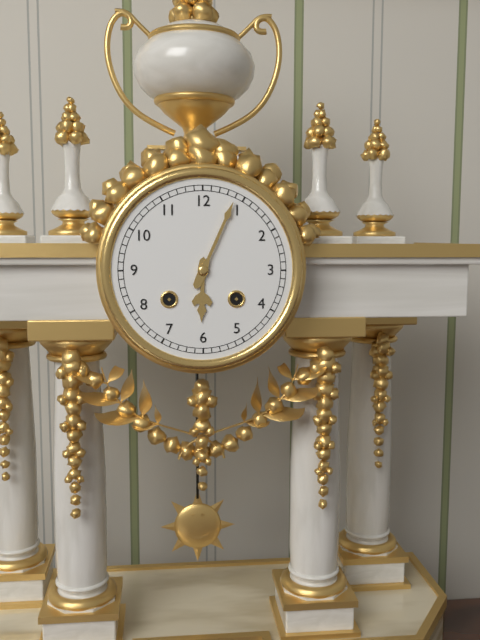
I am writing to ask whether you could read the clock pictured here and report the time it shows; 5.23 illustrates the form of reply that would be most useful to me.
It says 6.04
